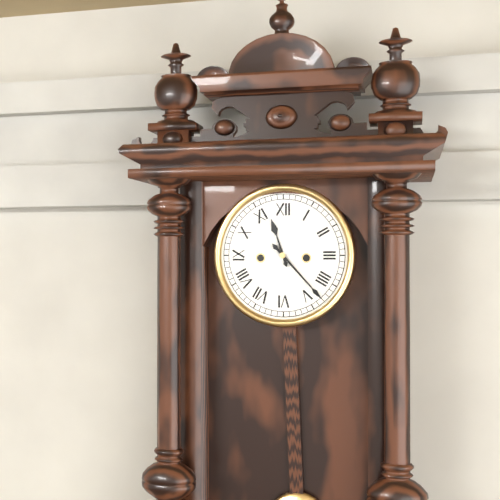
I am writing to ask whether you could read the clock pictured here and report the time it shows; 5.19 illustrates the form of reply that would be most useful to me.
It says 11.23
